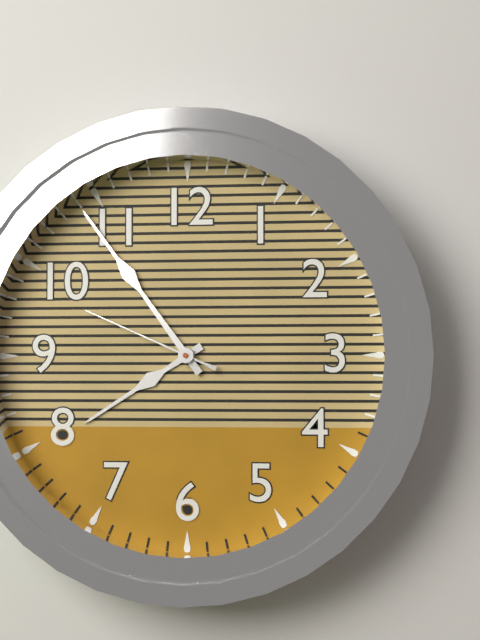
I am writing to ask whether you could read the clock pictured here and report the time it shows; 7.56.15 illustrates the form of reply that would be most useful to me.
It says 7.54.49
